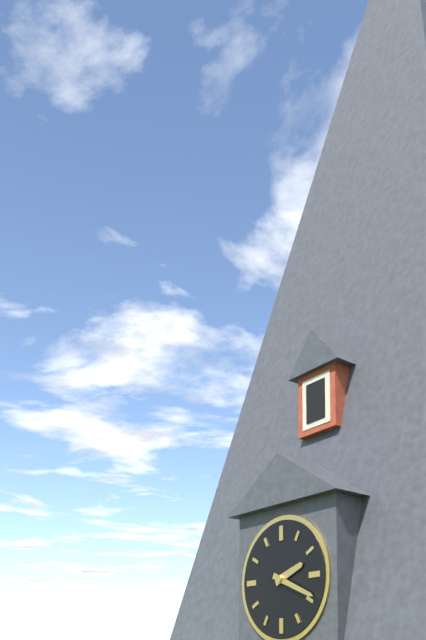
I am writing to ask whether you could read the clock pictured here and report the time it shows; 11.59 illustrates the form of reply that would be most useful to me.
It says 2.19
